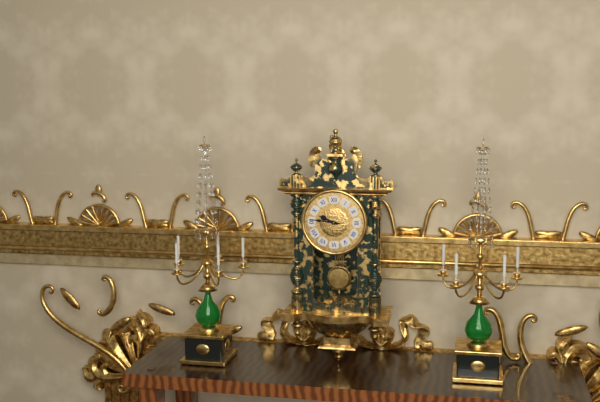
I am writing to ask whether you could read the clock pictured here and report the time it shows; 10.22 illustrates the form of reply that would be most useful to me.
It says 9.46
